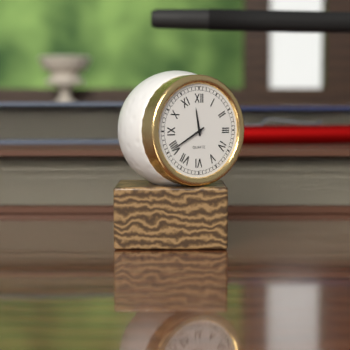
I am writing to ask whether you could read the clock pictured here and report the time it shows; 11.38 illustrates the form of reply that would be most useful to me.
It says 11.40
